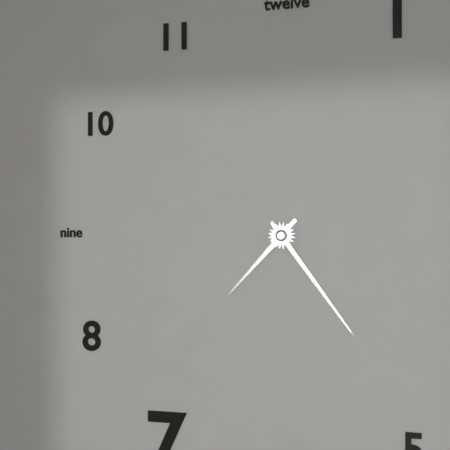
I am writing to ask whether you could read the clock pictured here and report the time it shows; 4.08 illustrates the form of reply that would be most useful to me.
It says 7.24
